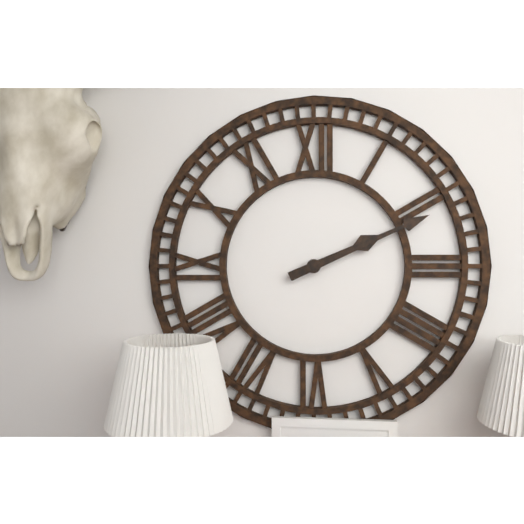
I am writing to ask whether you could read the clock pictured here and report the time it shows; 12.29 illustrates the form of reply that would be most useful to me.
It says 2.11
